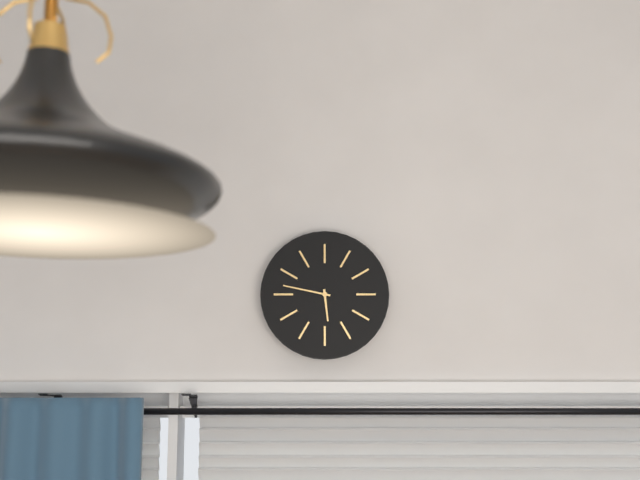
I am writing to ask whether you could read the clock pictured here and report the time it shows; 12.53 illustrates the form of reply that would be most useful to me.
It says 5.47
